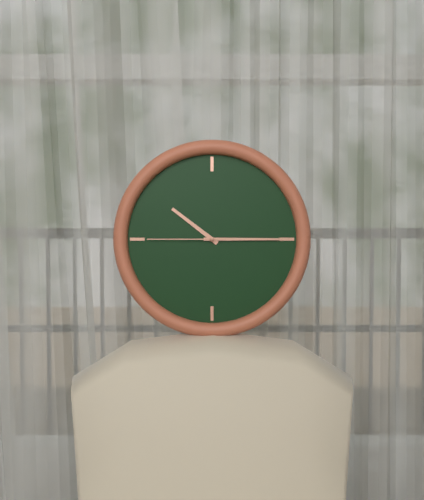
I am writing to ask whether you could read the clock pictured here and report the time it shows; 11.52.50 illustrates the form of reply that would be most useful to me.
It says 10.15.45
